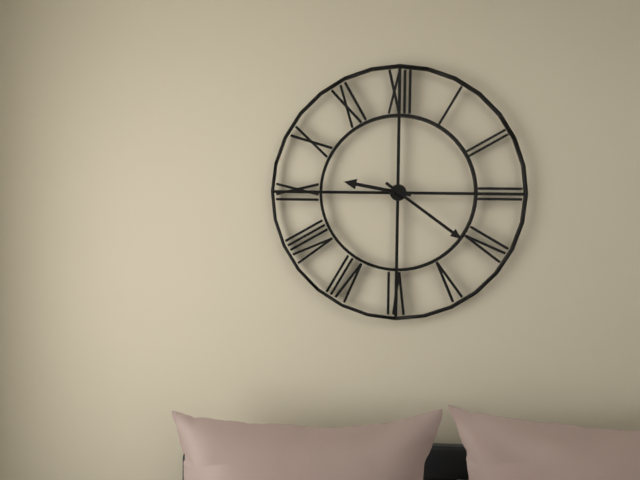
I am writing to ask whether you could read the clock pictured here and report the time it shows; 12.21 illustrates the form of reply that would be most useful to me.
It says 9.21
